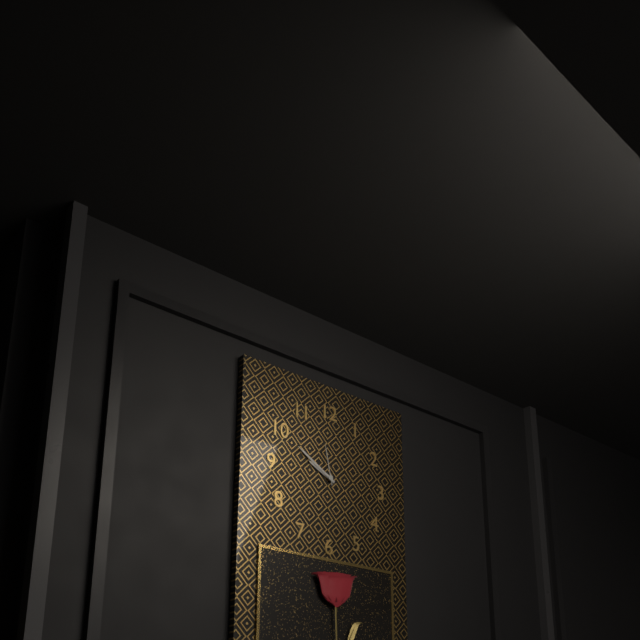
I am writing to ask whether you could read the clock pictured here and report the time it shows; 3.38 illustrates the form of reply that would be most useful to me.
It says 9.50
